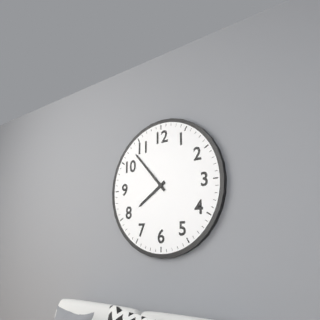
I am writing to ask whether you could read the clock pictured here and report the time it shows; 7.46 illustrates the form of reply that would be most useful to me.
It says 7.53
